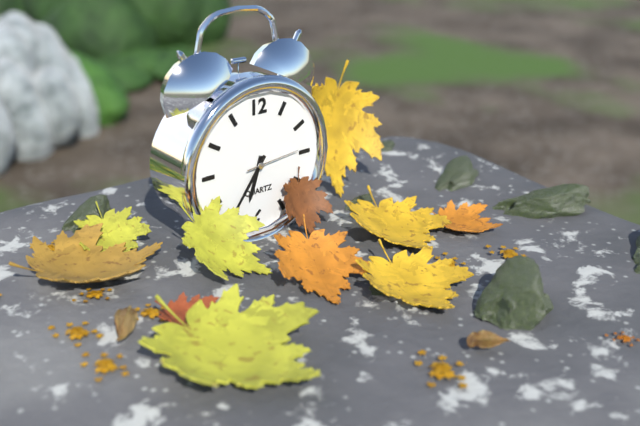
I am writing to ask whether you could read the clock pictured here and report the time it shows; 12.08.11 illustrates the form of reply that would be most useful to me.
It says 6.36.14
